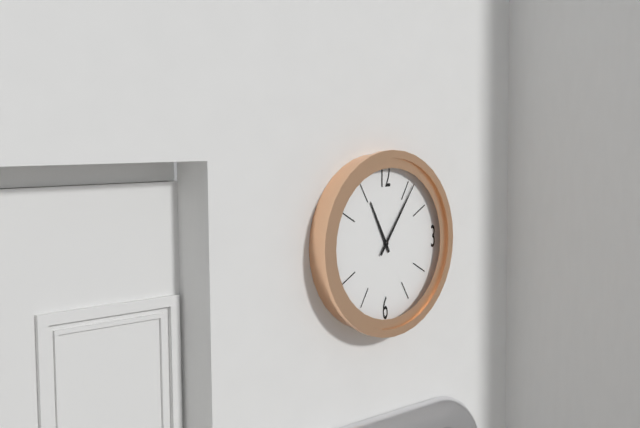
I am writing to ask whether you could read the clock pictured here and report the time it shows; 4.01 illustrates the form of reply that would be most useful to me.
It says 11.06
